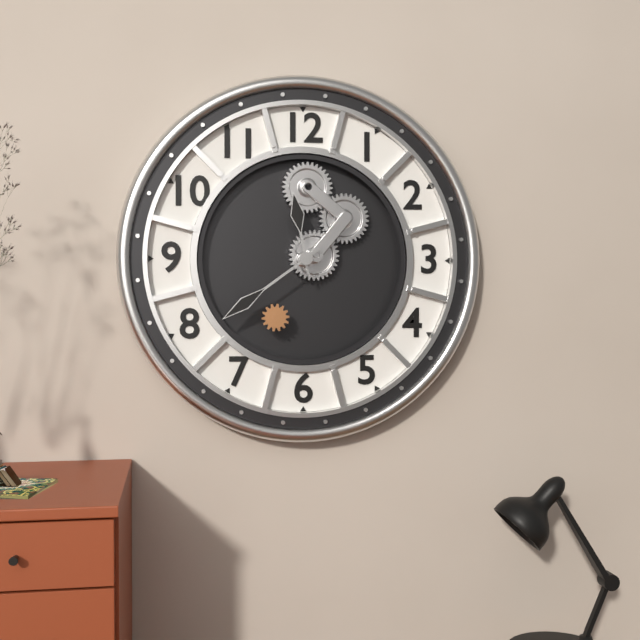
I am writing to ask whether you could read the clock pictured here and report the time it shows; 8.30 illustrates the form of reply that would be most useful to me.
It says 11.39
